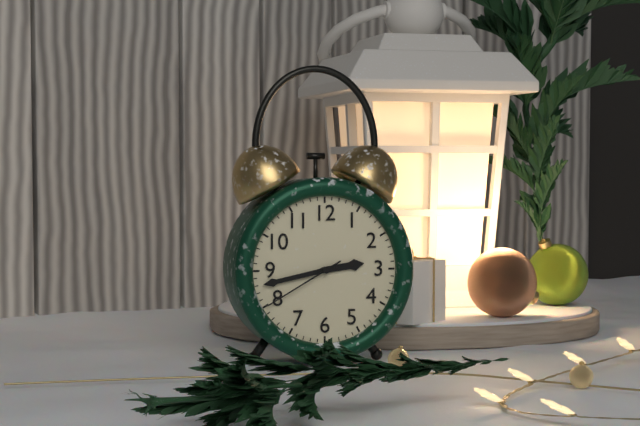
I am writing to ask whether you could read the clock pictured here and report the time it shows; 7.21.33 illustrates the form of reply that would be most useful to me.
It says 2.43.40
